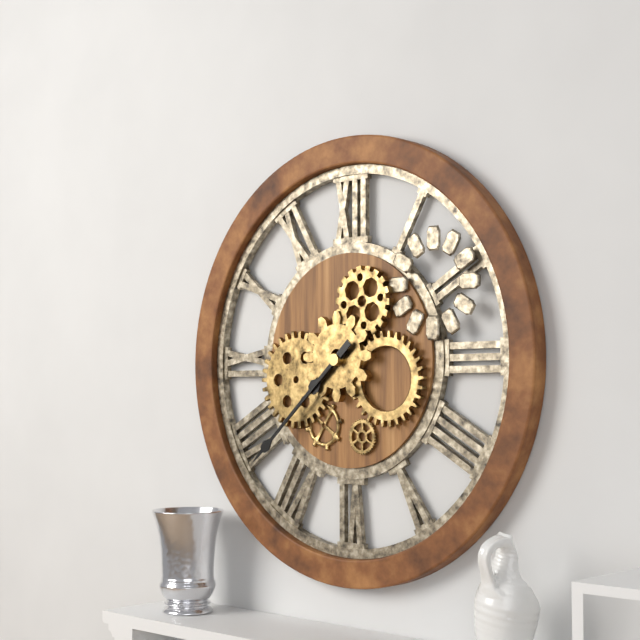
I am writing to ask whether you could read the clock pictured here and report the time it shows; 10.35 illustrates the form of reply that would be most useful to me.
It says 7.38
